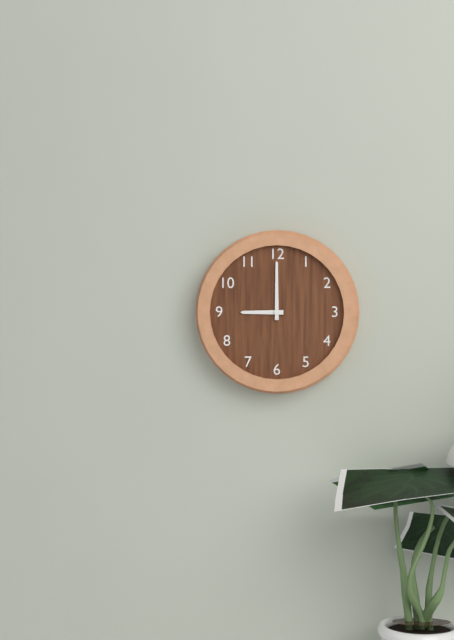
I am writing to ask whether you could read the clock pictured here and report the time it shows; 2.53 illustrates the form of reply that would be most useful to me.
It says 9.00
